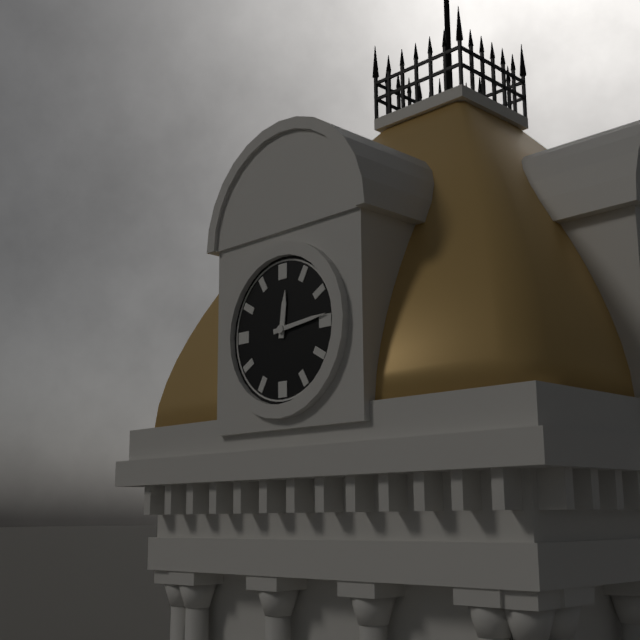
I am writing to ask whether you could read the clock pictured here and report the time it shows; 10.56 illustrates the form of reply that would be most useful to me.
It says 12.14
